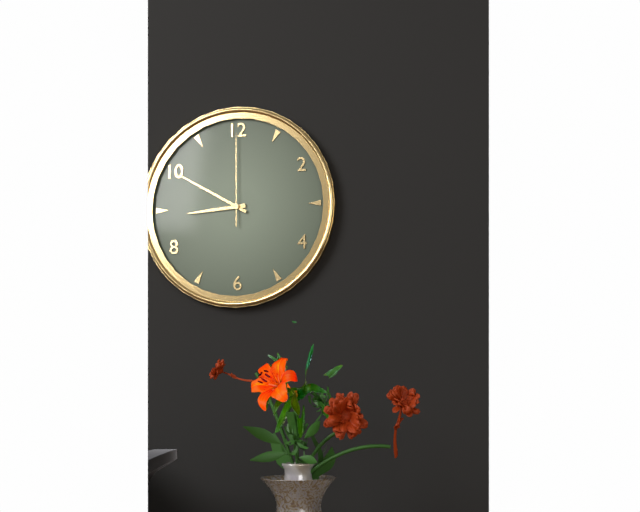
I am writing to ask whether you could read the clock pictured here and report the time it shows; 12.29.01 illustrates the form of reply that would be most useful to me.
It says 8.50.00
